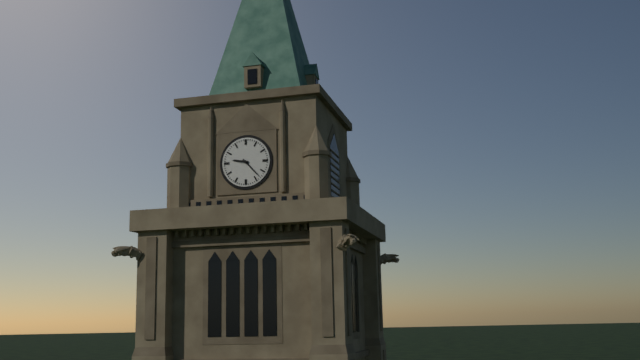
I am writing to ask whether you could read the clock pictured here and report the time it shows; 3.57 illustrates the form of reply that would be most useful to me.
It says 9.23
